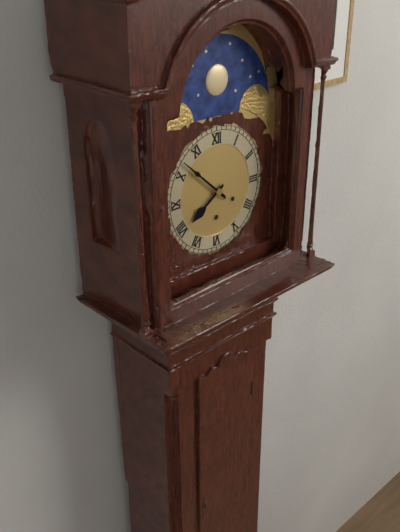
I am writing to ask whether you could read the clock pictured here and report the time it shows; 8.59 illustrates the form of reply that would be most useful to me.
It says 7.52
